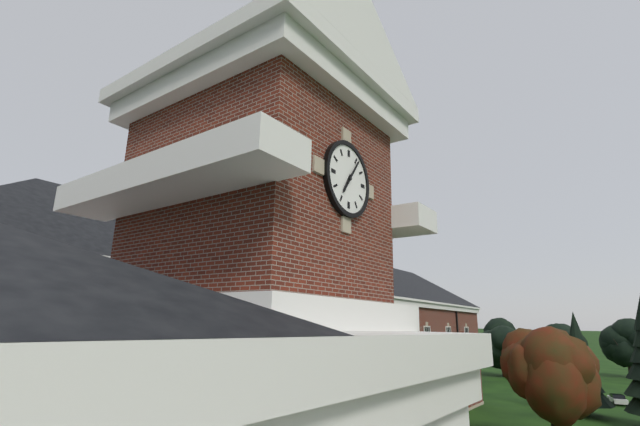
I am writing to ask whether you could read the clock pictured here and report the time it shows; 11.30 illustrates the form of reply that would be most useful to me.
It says 7.06
